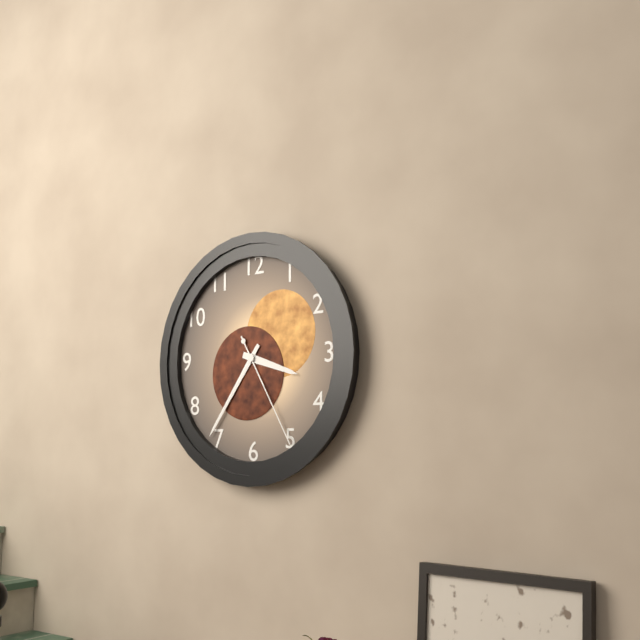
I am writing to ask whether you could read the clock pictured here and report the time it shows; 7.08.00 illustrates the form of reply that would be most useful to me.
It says 3.36.25
